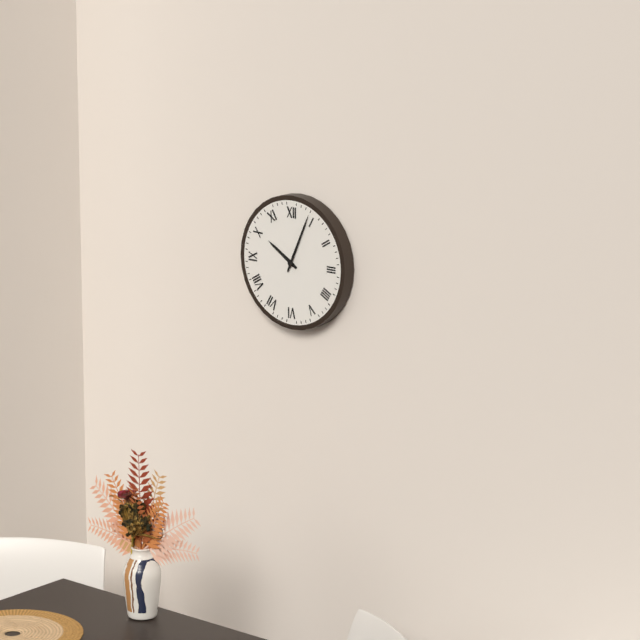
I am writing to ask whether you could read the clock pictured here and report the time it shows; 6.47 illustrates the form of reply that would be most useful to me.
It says 10.04
